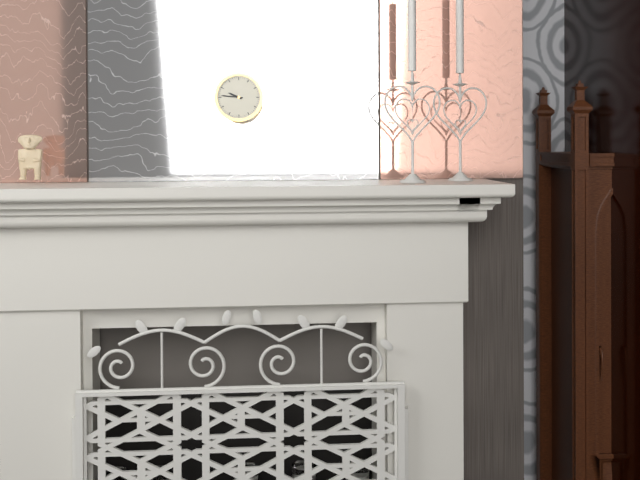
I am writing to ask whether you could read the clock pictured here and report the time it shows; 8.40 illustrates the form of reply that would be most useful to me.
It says 9.46
